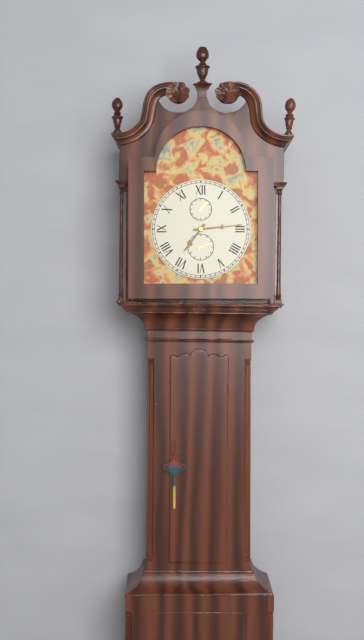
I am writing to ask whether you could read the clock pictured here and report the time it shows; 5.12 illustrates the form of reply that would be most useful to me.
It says 7.14
